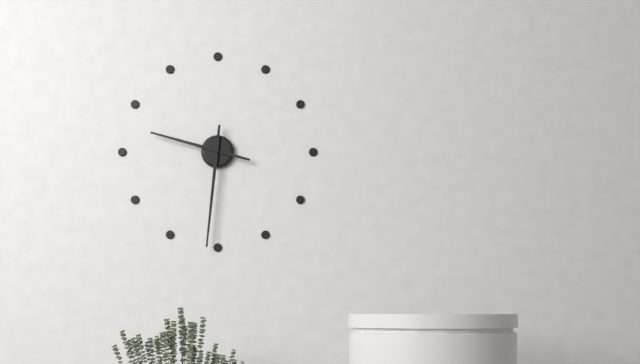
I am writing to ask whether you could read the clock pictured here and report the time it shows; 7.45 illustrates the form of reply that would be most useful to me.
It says 9.31
